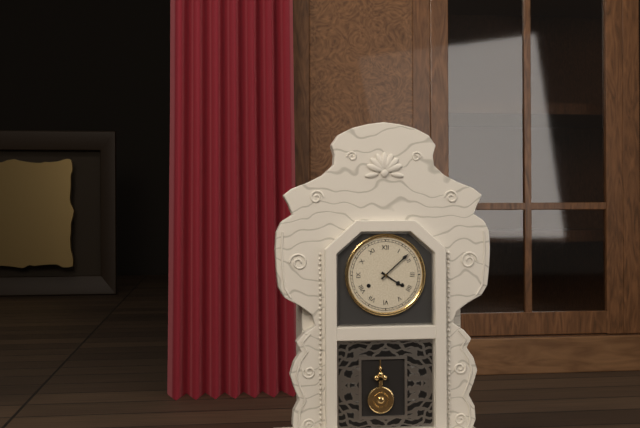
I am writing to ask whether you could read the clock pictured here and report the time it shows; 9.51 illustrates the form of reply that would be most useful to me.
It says 4.08
